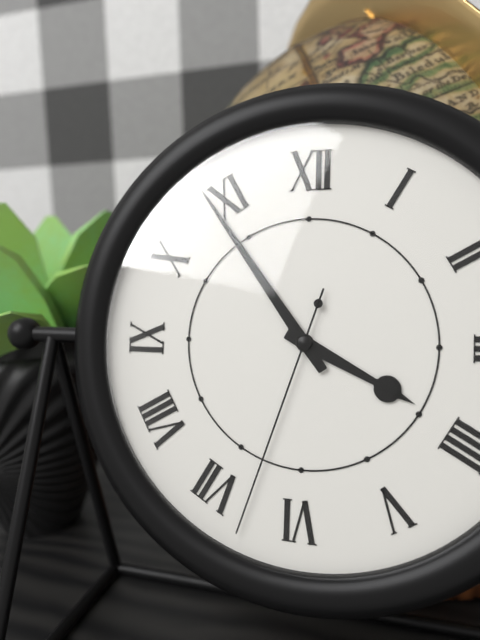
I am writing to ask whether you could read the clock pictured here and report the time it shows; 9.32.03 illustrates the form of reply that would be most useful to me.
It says 3.54.33
